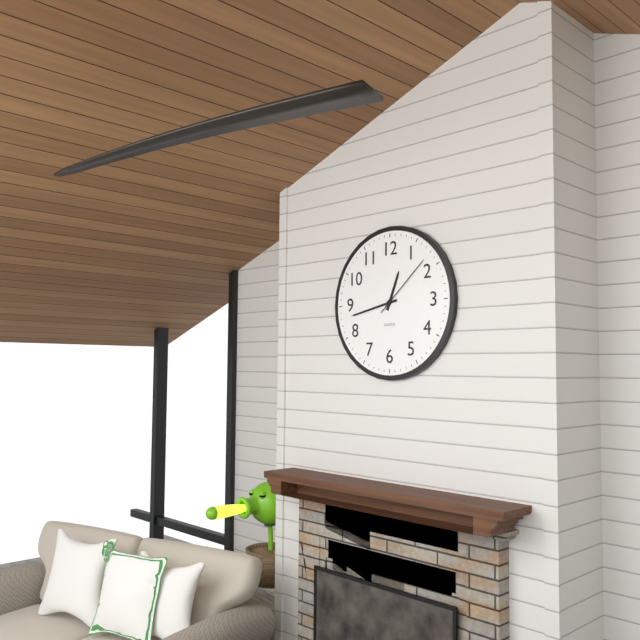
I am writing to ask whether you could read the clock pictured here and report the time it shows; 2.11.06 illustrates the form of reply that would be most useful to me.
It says 12.43.08
